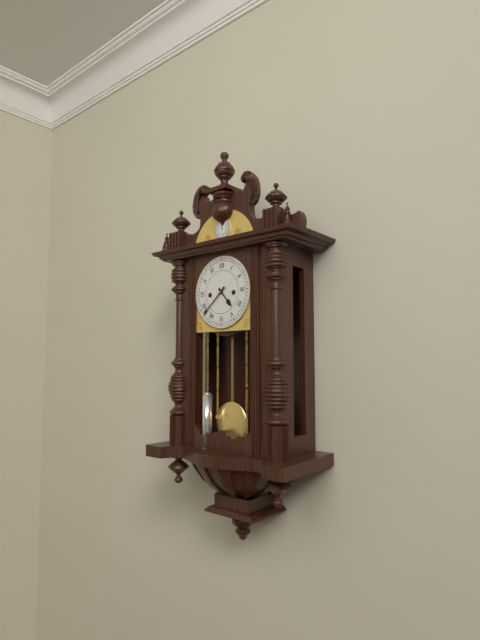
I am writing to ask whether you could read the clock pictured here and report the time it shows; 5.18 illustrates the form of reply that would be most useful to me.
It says 4.38
